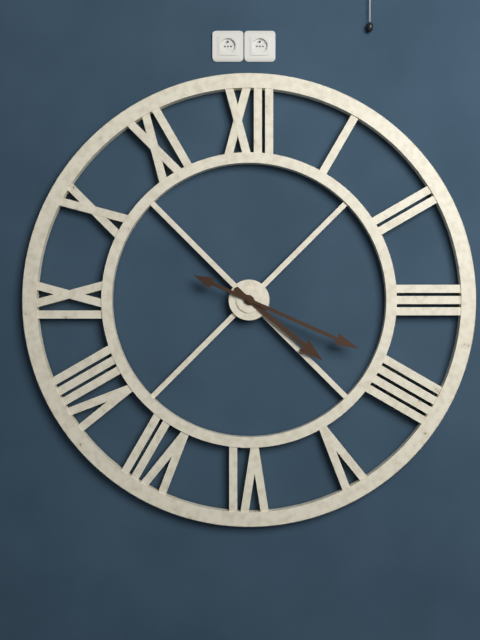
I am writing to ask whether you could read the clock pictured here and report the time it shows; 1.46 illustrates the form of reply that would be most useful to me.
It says 4.19
